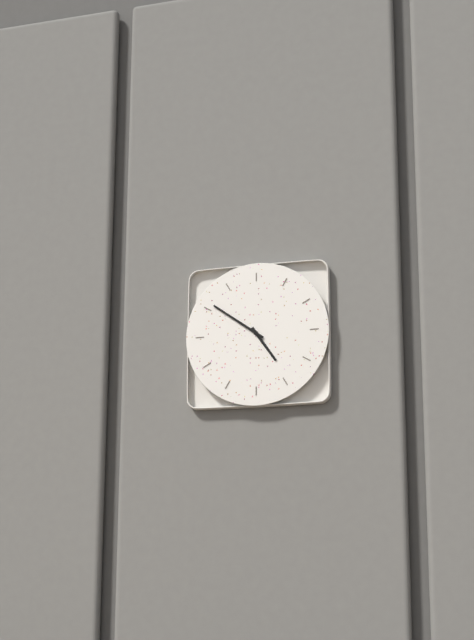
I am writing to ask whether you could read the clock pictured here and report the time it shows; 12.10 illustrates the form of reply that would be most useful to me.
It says 4.51
